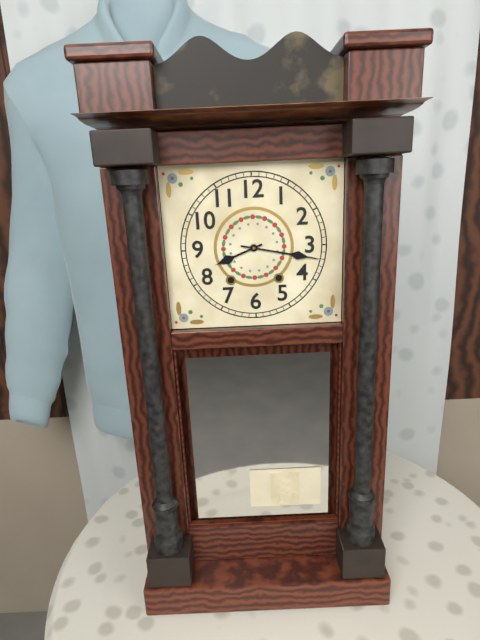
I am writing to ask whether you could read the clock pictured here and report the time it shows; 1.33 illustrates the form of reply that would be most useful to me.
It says 8.17
